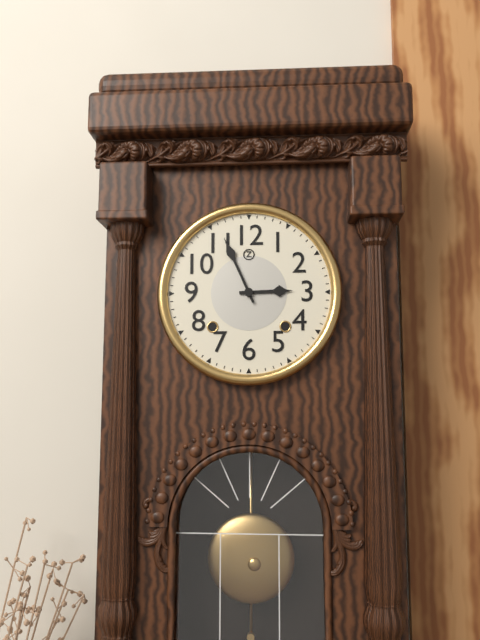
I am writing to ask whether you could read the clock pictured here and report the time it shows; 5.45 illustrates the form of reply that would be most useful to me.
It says 2.56
